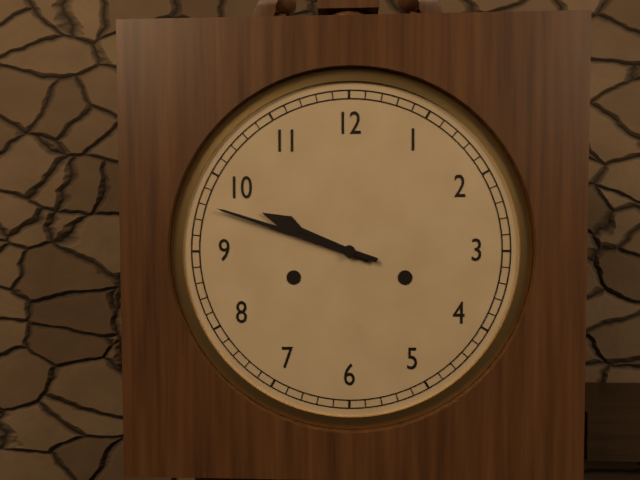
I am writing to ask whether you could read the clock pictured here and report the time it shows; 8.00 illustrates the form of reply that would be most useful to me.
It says 9.48
